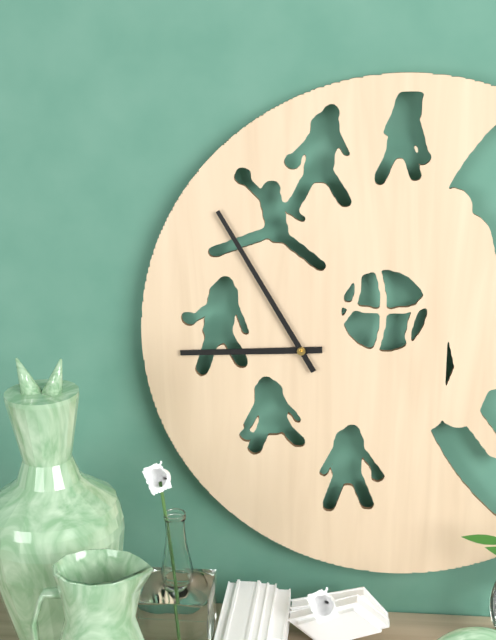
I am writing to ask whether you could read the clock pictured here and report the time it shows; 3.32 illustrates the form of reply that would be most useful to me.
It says 8.55
